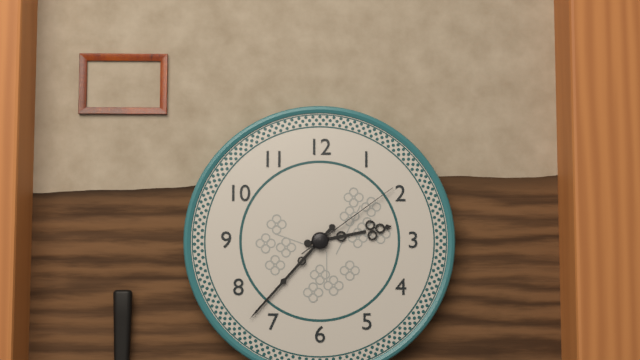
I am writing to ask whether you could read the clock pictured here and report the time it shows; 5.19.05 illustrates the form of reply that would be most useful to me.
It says 2.37.09
